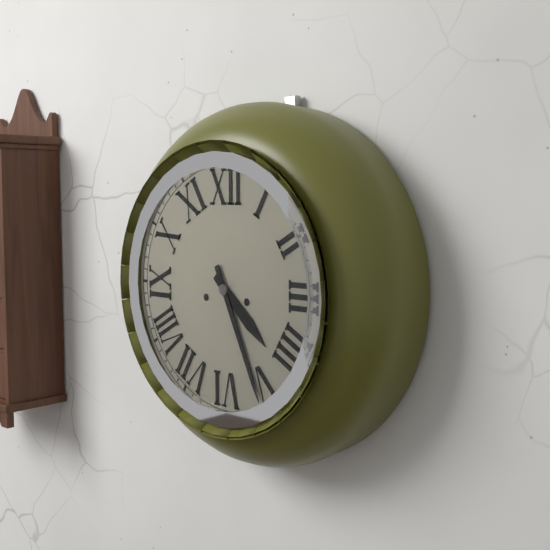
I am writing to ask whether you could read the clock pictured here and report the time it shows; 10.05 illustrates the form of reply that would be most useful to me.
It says 4.26
